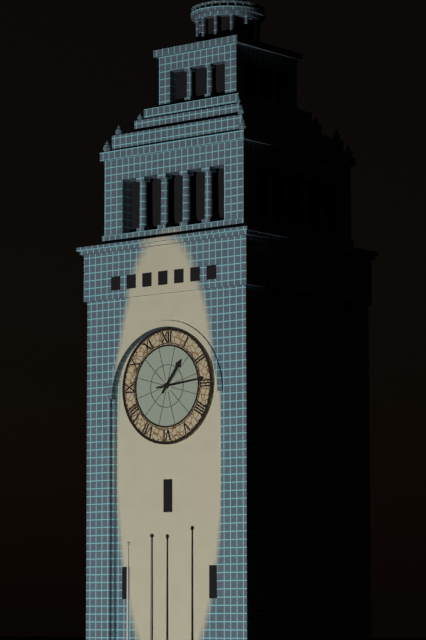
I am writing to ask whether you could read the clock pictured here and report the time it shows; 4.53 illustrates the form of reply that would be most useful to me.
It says 1.14
